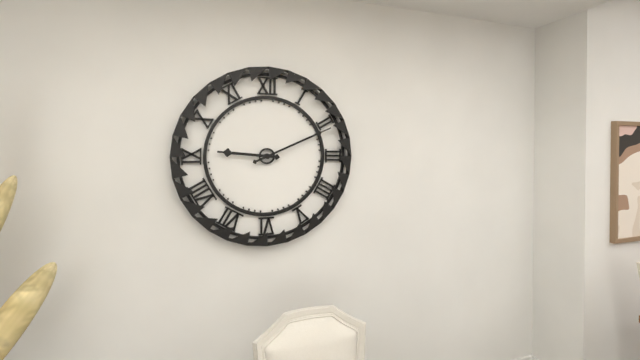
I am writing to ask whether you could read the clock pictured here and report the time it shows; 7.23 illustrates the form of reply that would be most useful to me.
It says 9.11
